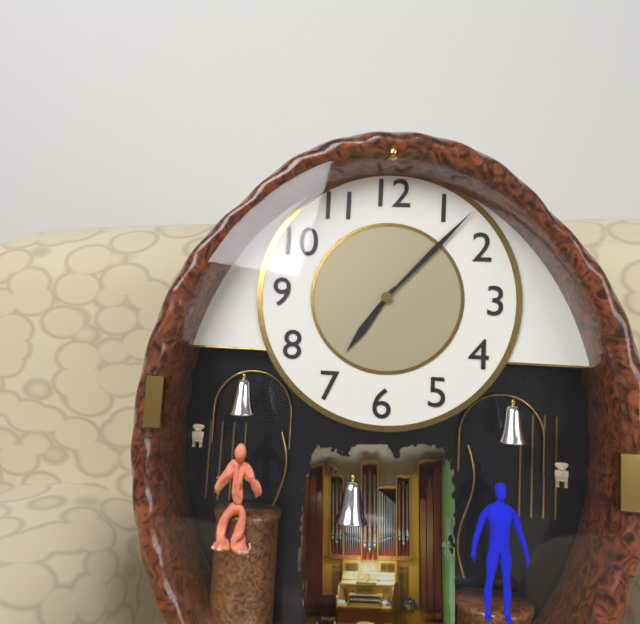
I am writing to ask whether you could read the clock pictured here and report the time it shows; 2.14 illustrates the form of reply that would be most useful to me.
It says 7.07
